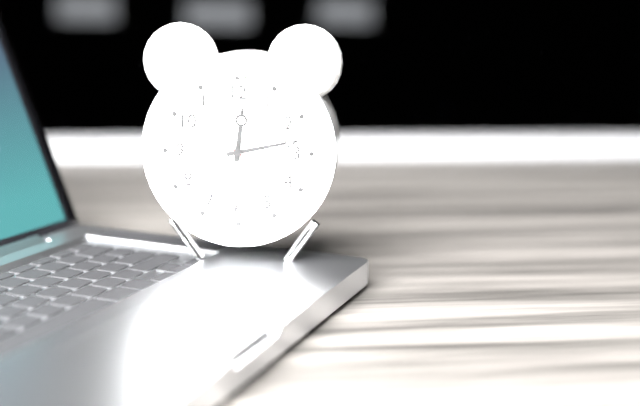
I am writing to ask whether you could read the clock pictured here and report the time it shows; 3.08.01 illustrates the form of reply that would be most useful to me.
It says 12.13.52
